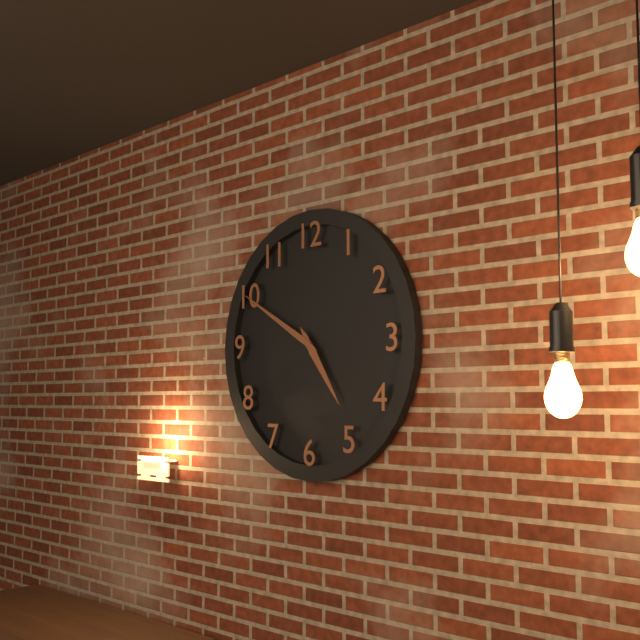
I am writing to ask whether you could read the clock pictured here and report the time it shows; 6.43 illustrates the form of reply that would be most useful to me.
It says 4.50
